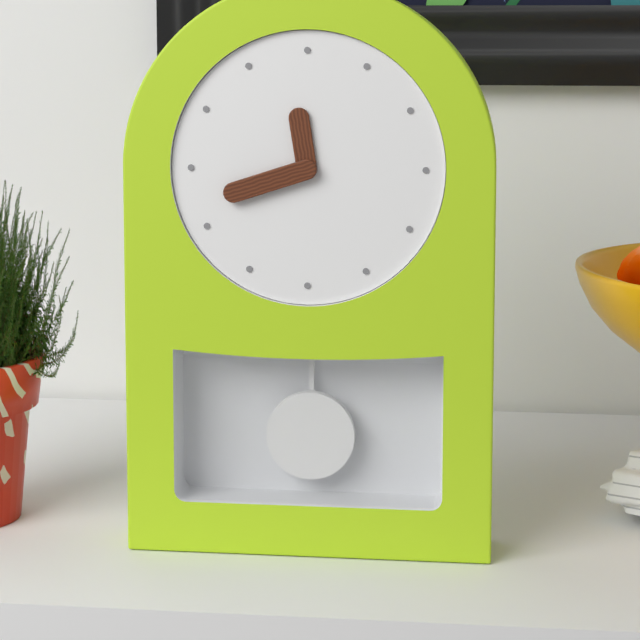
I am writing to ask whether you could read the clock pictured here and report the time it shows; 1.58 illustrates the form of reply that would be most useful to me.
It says 11.42
